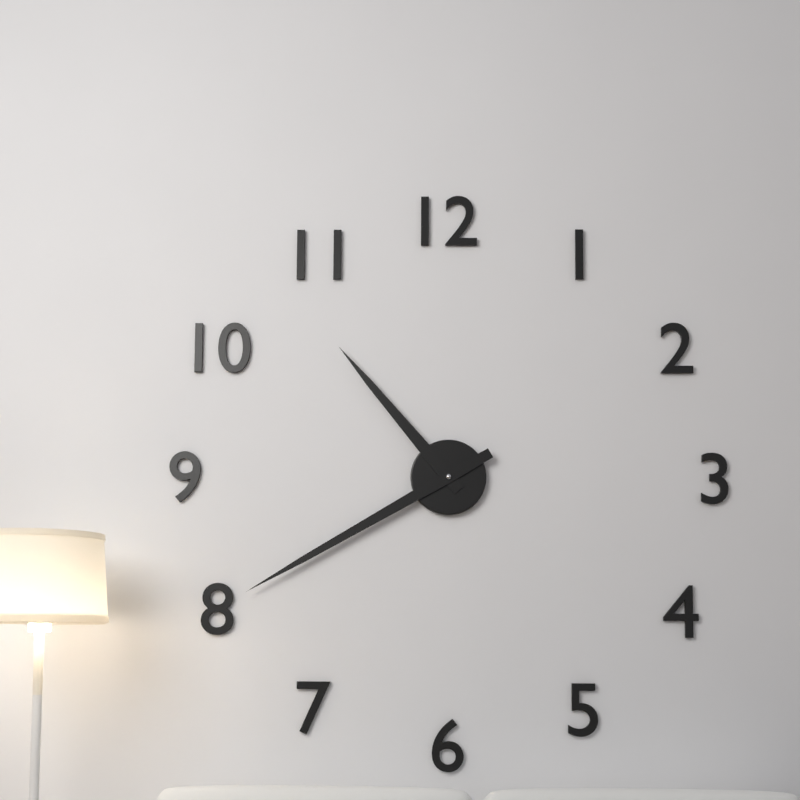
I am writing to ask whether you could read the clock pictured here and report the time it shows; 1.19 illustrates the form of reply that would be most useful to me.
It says 10.40
